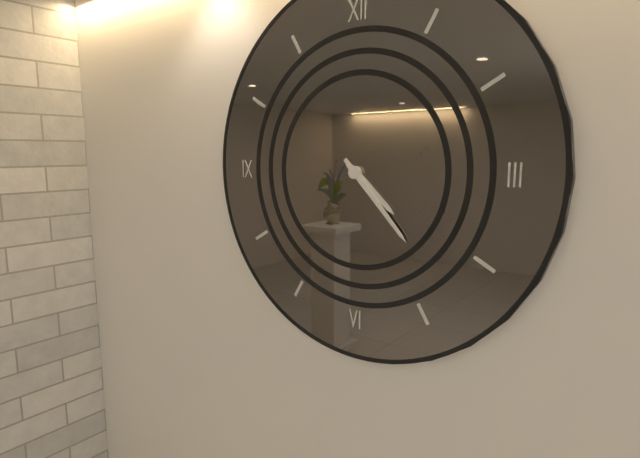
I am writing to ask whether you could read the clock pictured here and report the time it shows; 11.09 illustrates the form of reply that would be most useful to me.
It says 4.23
